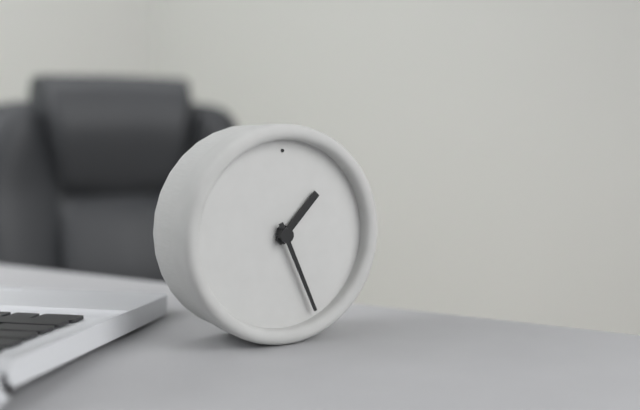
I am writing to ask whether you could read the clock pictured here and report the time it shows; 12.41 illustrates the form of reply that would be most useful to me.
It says 1.26
